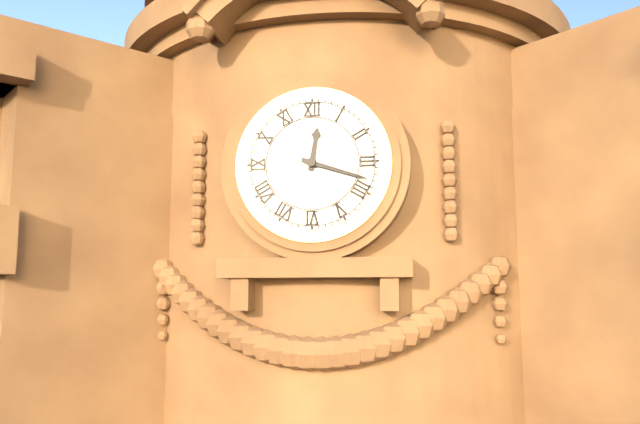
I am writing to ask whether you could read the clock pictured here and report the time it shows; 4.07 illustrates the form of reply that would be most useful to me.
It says 12.18
